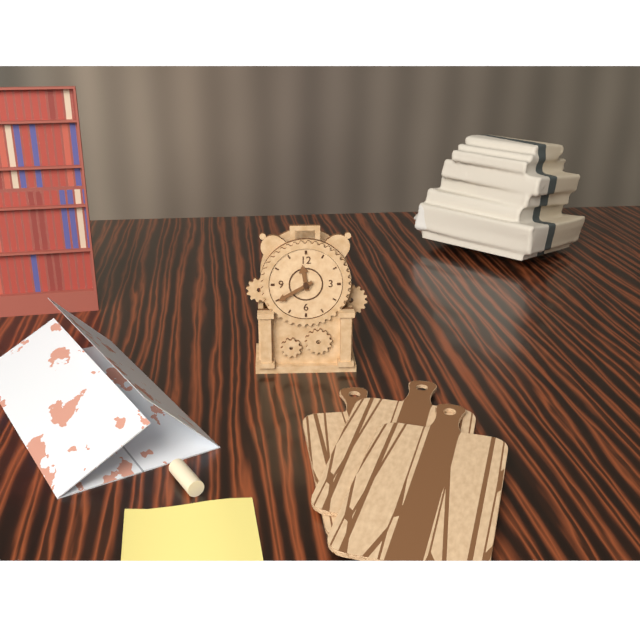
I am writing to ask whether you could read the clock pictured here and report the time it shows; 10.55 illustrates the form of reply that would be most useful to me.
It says 11.40
